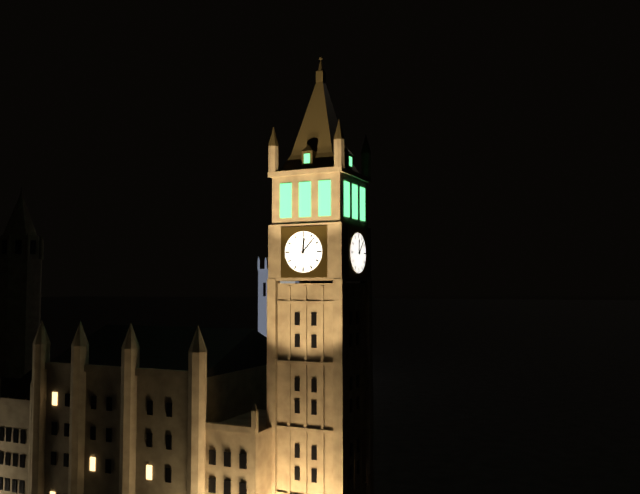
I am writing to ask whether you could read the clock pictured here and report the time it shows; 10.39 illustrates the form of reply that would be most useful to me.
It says 12.07
